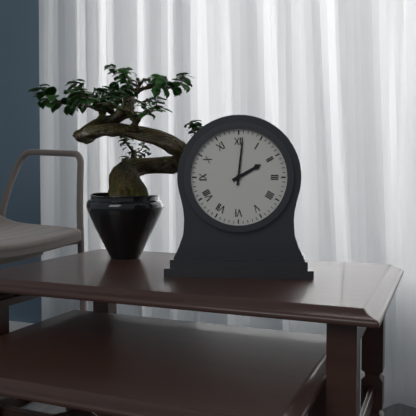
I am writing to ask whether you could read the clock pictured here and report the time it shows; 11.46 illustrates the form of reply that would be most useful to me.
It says 2.01
